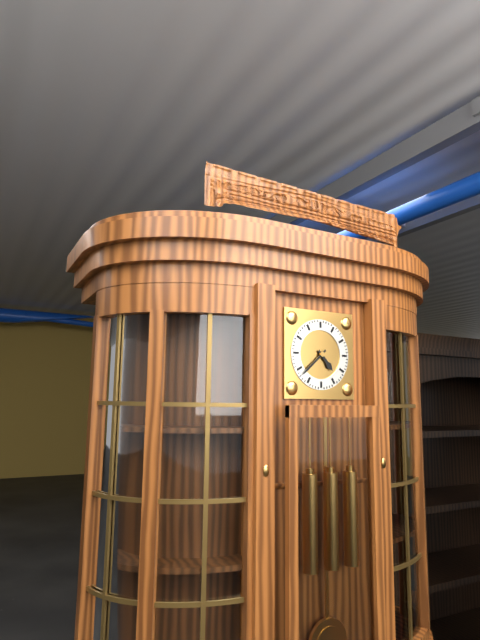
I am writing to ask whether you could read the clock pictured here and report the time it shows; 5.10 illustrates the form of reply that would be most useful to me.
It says 4.38
